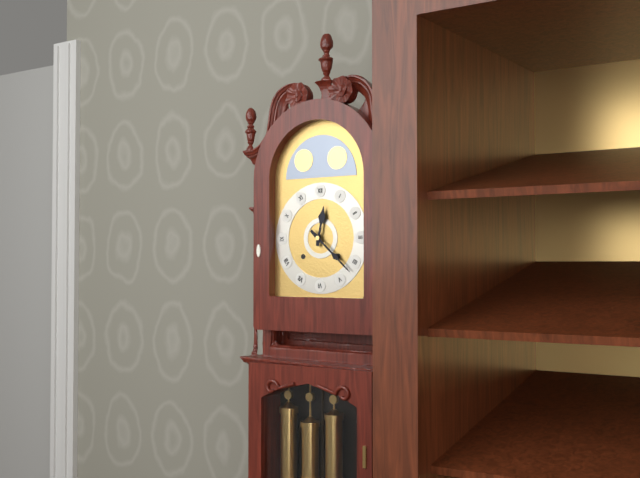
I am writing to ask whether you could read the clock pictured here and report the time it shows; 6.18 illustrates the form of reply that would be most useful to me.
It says 12.22
